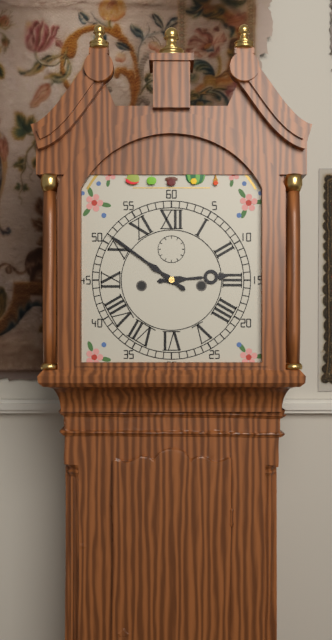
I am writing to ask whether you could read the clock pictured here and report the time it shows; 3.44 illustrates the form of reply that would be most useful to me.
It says 2.51
